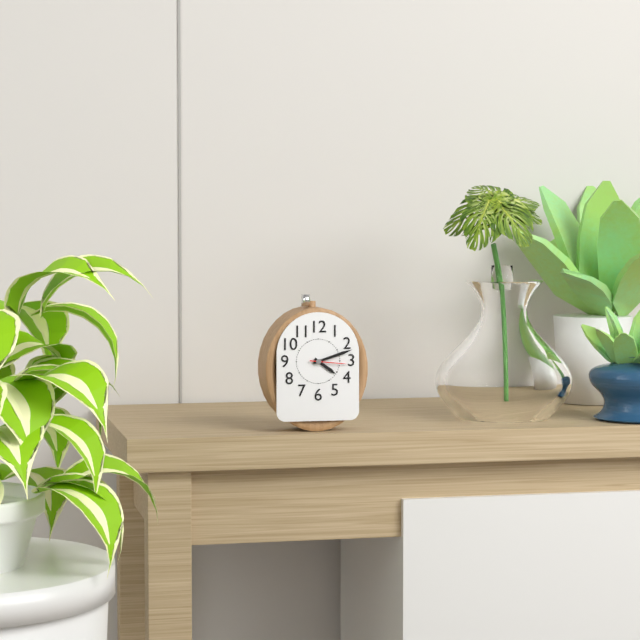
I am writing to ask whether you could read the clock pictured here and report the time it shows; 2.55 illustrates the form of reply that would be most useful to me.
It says 4.12
